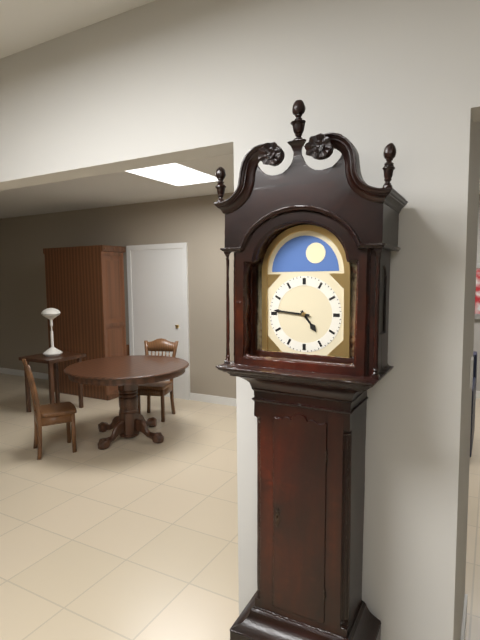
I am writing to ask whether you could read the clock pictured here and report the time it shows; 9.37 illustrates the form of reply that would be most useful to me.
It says 4.46
